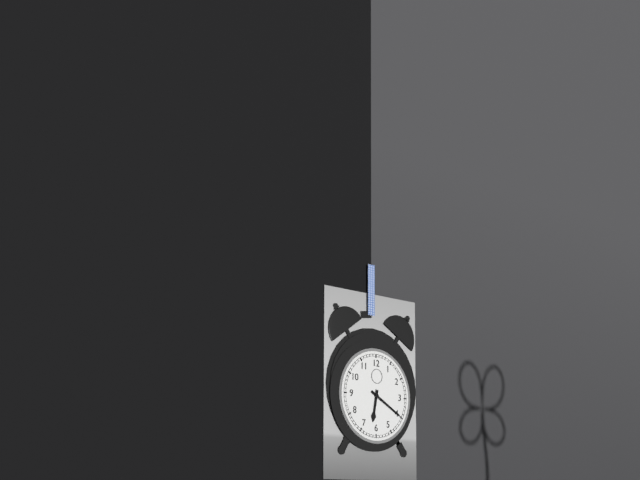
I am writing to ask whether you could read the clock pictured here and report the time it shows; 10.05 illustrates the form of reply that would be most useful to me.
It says 6.20
